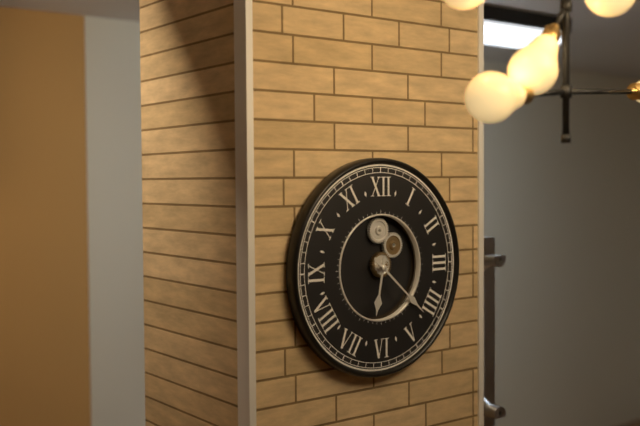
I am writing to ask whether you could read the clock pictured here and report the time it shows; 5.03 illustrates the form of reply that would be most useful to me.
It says 6.22
